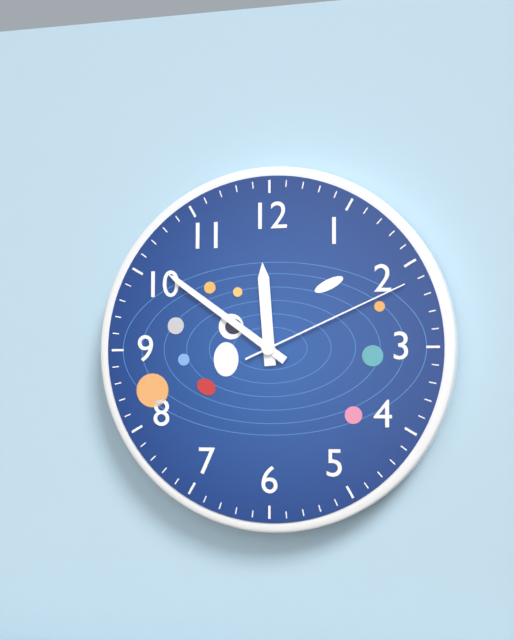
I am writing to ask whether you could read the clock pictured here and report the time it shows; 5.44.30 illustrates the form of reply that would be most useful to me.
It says 11.51.11
